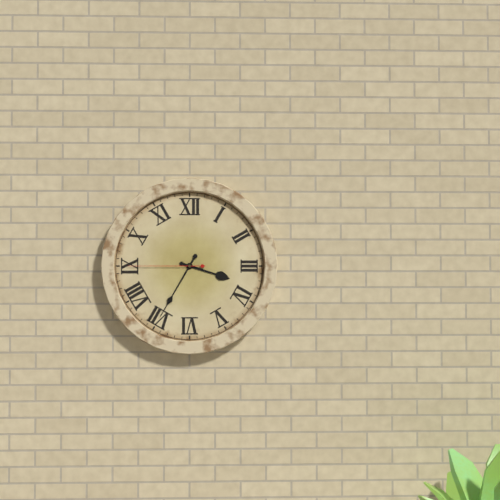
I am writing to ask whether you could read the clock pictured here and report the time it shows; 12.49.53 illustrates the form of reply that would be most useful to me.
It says 3.35.45
